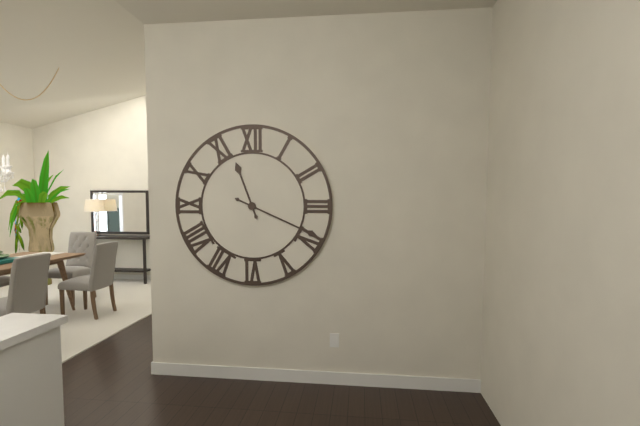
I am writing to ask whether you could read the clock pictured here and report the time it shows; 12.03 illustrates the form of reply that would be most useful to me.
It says 11.19
